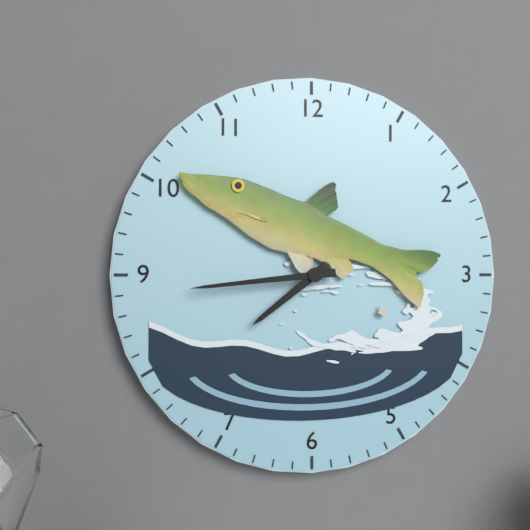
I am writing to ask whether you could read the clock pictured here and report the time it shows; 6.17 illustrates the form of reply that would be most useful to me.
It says 7.44
